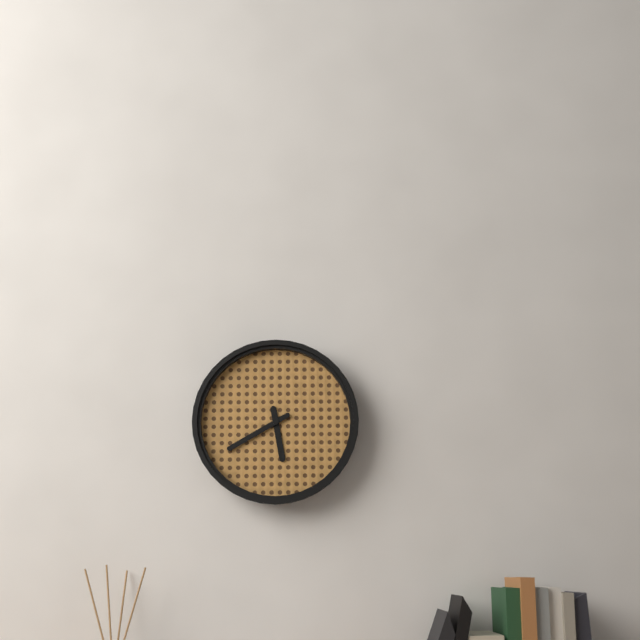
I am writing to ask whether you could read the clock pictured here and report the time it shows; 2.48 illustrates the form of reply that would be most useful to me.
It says 5.40
